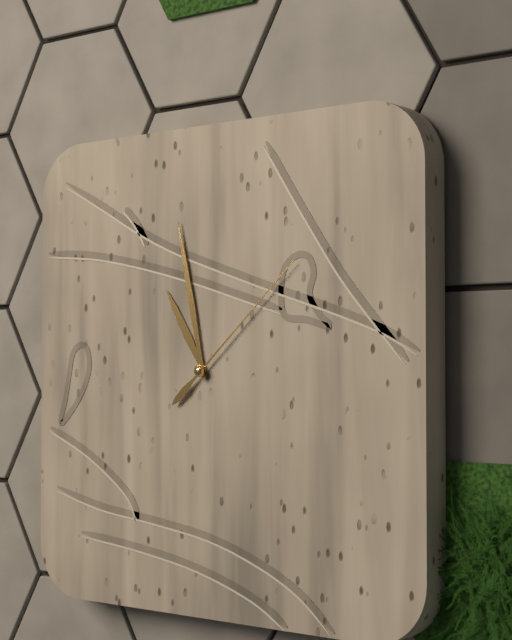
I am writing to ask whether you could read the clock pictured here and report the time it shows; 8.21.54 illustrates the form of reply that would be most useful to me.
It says 10.58.08
